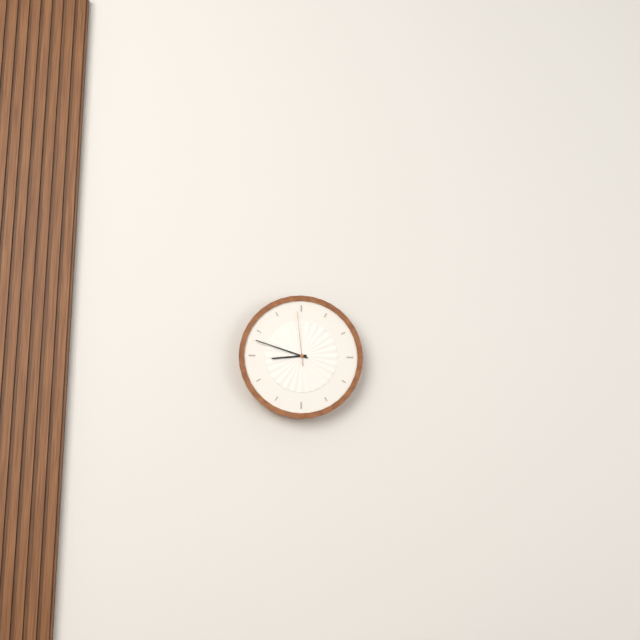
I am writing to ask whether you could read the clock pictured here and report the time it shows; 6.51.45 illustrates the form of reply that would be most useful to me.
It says 8.48.59
